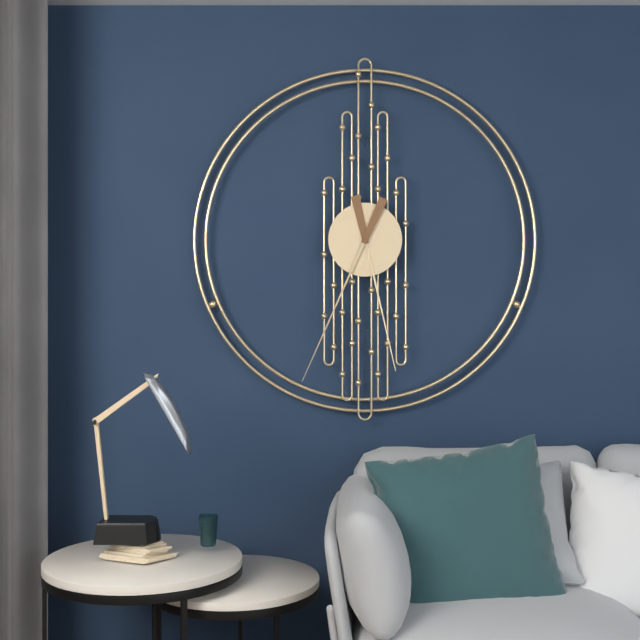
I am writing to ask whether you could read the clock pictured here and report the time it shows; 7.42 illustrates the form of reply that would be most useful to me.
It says 5.34
